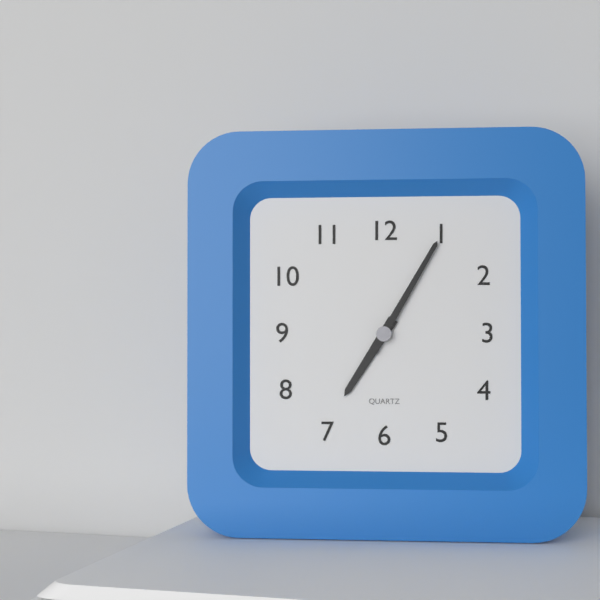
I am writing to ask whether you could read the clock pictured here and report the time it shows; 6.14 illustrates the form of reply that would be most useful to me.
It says 7.05
